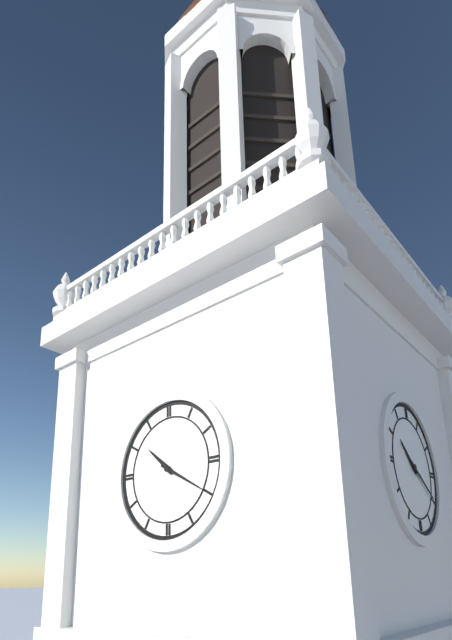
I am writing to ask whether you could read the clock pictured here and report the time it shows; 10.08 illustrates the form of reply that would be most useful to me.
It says 10.20
